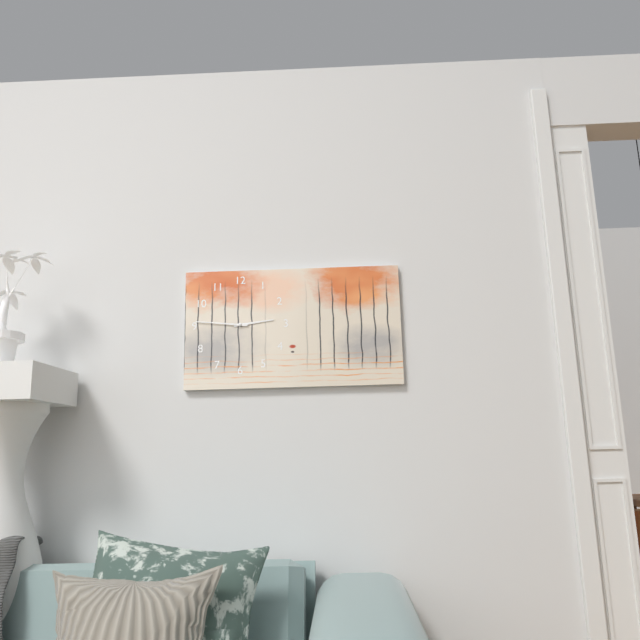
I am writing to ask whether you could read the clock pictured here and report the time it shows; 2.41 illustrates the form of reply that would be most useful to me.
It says 2.46
